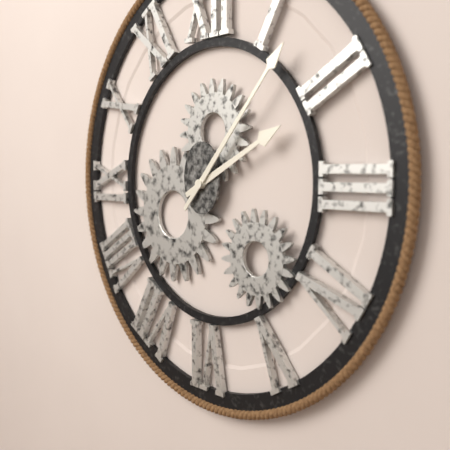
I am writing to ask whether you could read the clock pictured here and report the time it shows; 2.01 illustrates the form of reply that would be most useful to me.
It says 2.07
